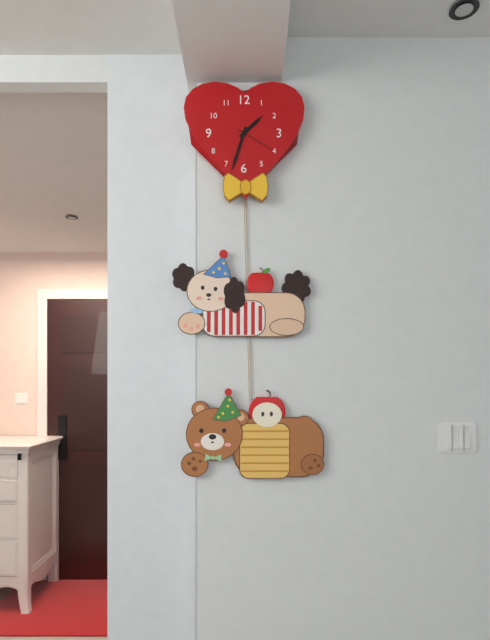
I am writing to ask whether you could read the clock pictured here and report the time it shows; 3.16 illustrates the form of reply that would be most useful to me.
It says 1.33
